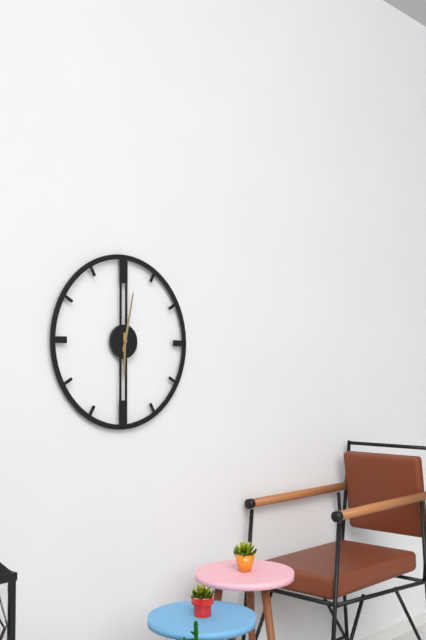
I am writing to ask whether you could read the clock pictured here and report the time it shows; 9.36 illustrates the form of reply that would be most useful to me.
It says 6.02
